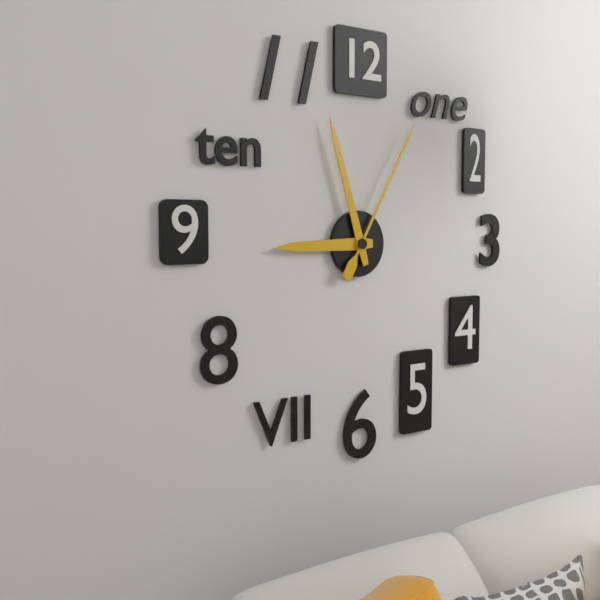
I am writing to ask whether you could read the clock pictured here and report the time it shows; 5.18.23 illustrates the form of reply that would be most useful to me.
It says 8.57.05
